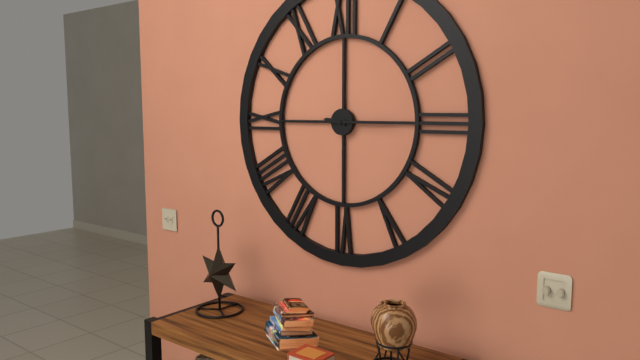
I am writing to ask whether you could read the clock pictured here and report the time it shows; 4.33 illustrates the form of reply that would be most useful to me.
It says 9.15
